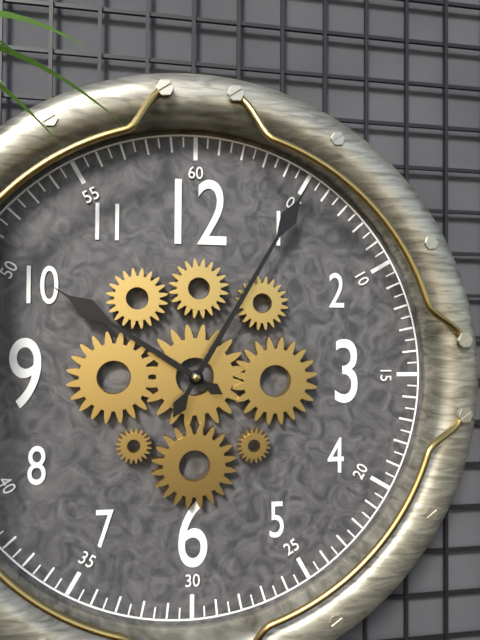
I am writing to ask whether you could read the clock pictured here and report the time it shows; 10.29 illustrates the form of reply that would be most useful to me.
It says 10.05
